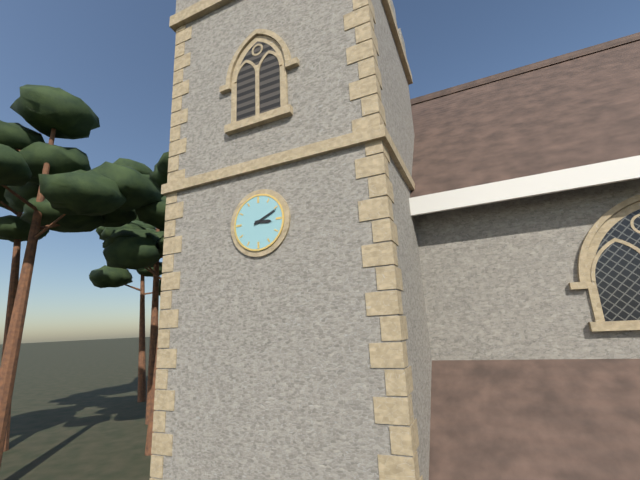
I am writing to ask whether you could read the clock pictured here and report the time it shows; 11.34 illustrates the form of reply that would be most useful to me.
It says 3.11
